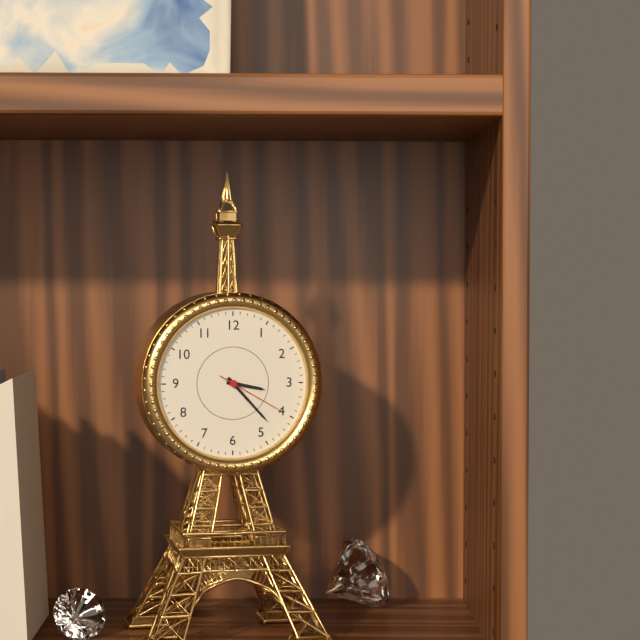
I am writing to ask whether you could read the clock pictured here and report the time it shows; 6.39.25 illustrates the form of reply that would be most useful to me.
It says 3.23.20
